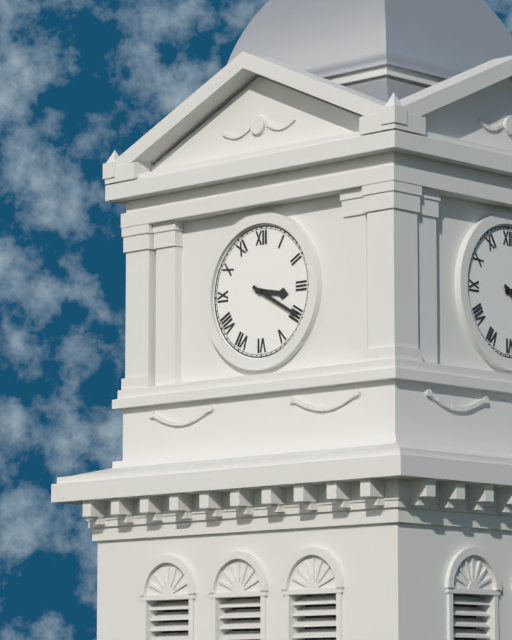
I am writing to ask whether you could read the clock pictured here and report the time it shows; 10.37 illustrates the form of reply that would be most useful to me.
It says 3.20
